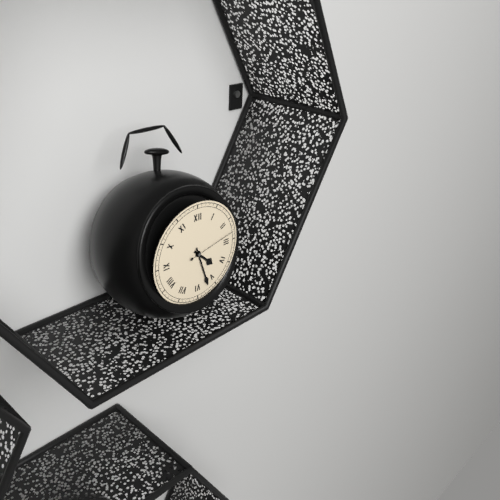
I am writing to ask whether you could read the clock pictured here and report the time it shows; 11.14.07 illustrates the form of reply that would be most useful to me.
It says 4.27.13
